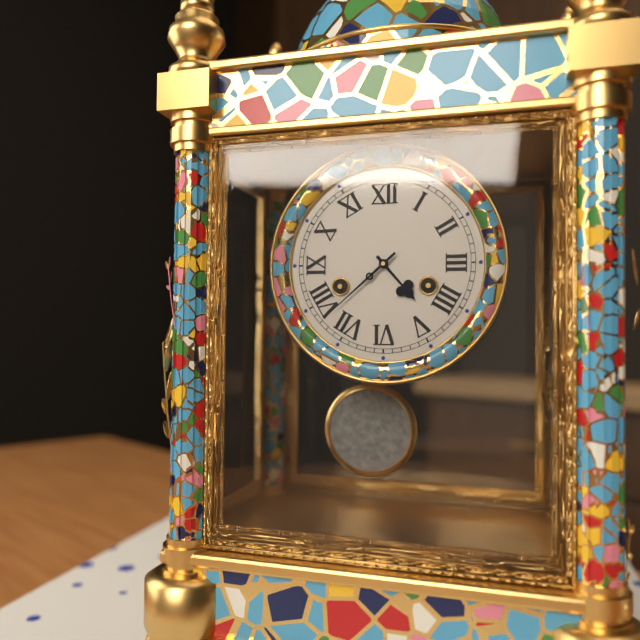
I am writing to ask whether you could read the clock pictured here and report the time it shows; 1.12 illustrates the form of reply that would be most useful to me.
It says 4.38
